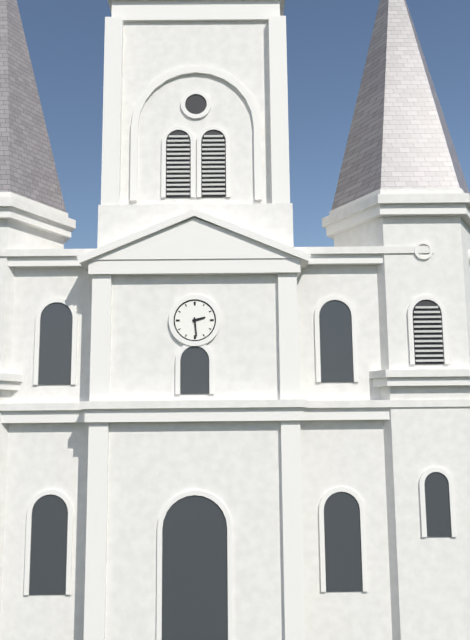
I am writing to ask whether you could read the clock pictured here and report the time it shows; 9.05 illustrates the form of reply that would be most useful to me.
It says 2.29
